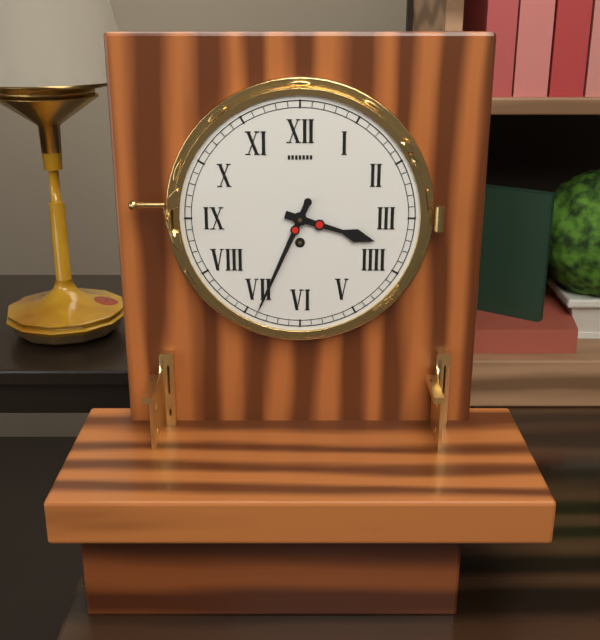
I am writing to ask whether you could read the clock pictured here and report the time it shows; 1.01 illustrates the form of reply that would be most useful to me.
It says 3.34
